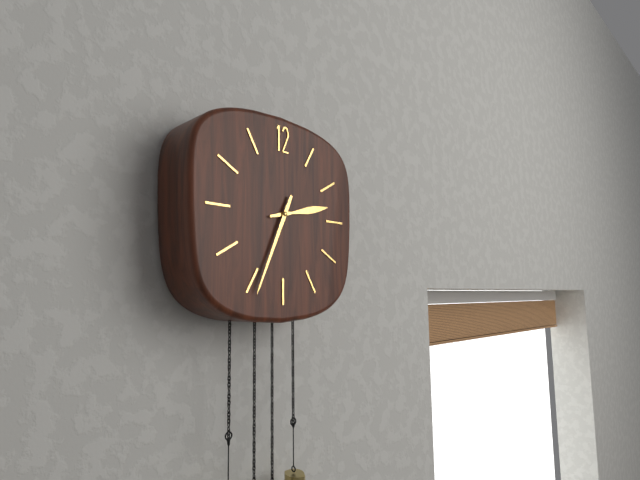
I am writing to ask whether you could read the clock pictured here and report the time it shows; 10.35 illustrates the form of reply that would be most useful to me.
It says 2.34
